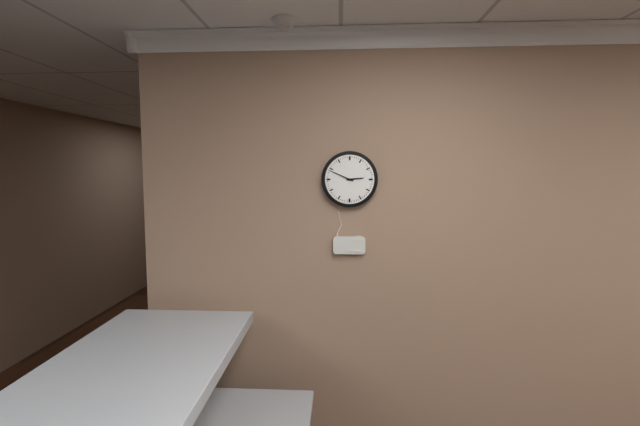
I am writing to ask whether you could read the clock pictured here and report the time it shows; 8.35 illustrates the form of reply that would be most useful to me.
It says 2.49
